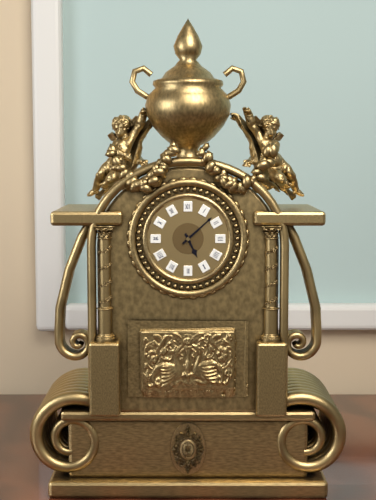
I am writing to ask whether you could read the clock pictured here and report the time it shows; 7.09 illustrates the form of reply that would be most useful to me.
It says 5.08
